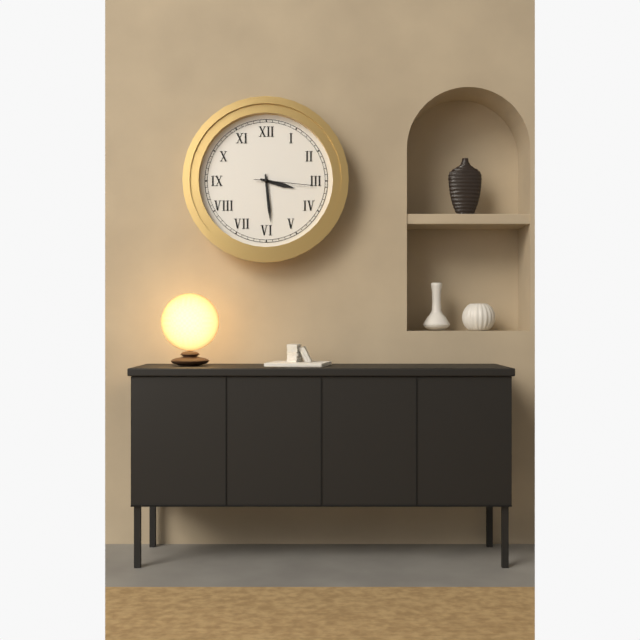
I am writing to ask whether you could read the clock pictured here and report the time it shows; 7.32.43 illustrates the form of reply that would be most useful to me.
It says 3.29.16
